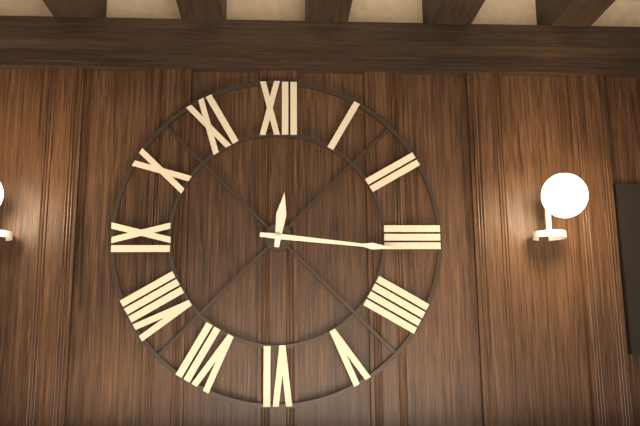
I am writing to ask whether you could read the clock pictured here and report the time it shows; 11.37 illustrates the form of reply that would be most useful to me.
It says 12.16
